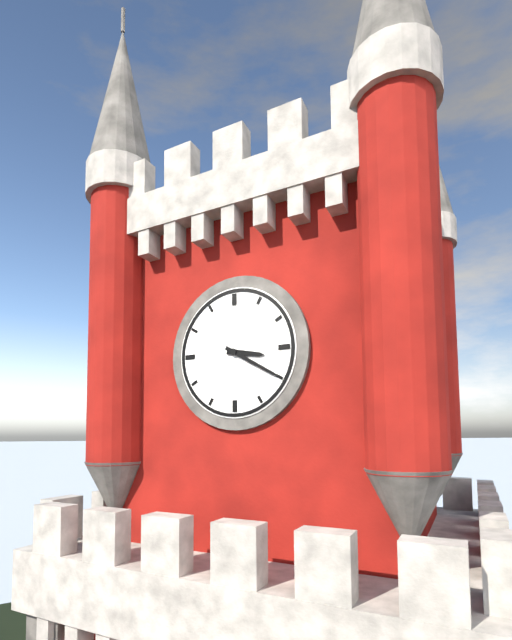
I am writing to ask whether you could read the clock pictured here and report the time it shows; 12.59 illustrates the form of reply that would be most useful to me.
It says 3.20
